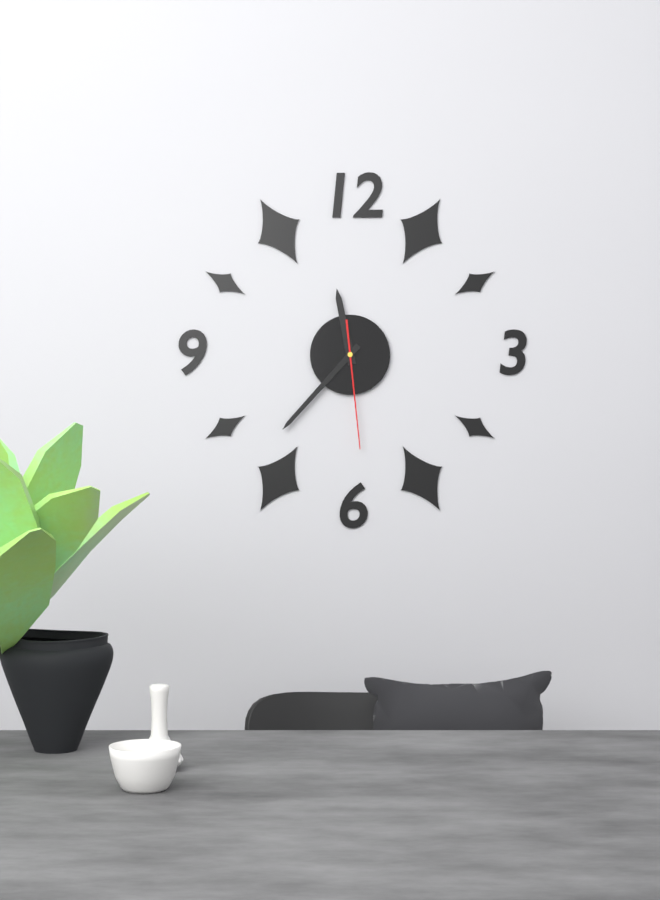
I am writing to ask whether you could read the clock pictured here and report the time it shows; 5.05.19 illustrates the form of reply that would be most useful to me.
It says 11.37.29
